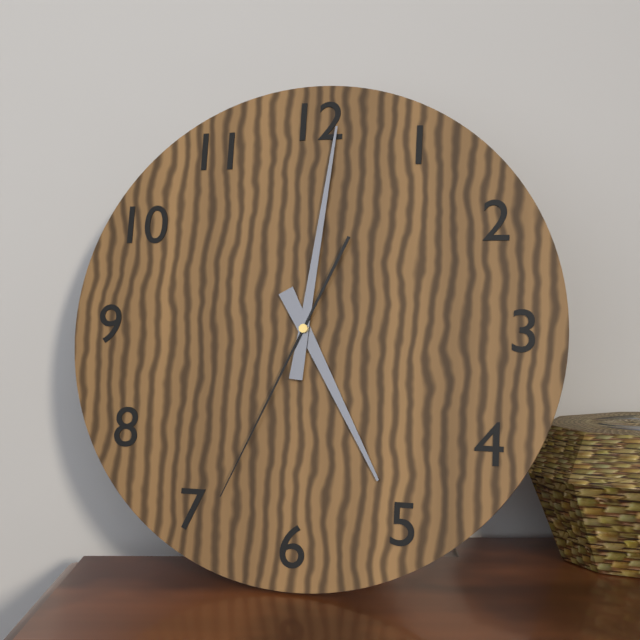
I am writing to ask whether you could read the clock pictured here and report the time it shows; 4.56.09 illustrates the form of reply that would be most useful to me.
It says 5.01.34
